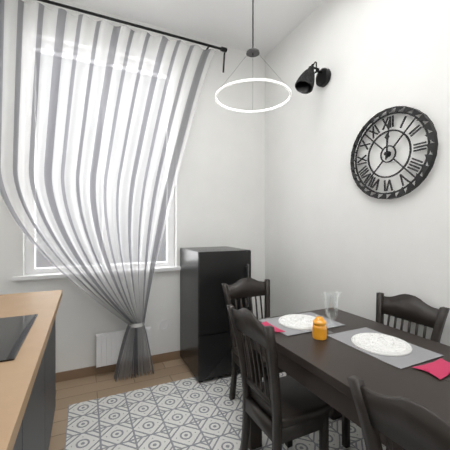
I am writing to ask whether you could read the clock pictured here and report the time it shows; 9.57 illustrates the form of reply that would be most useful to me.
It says 12.01
